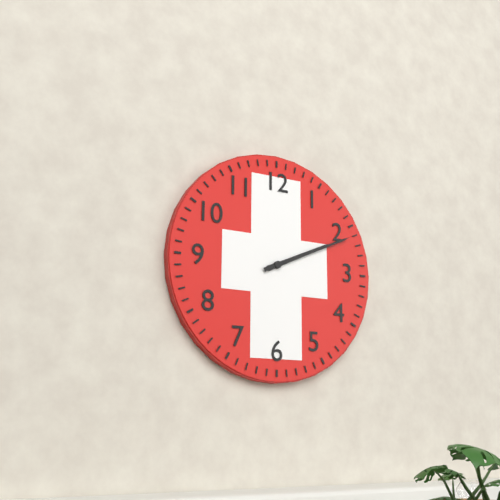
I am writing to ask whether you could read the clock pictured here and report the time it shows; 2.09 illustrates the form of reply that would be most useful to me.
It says 2.11
